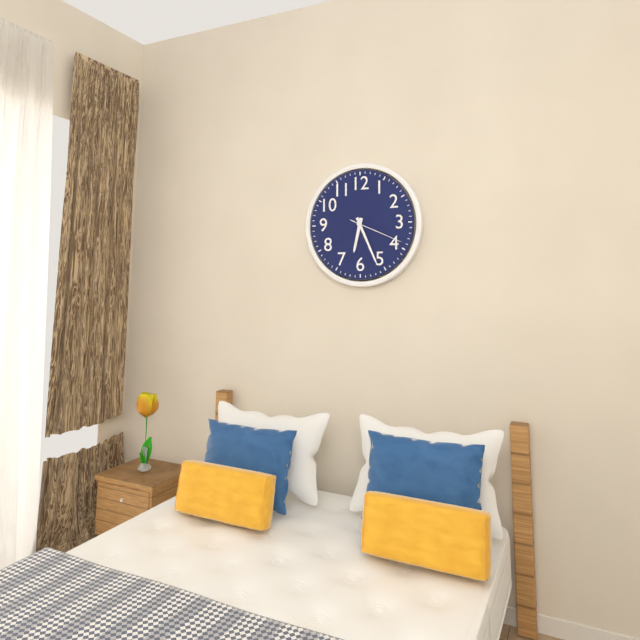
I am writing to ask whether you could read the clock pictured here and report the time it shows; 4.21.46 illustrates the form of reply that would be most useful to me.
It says 6.26.19
